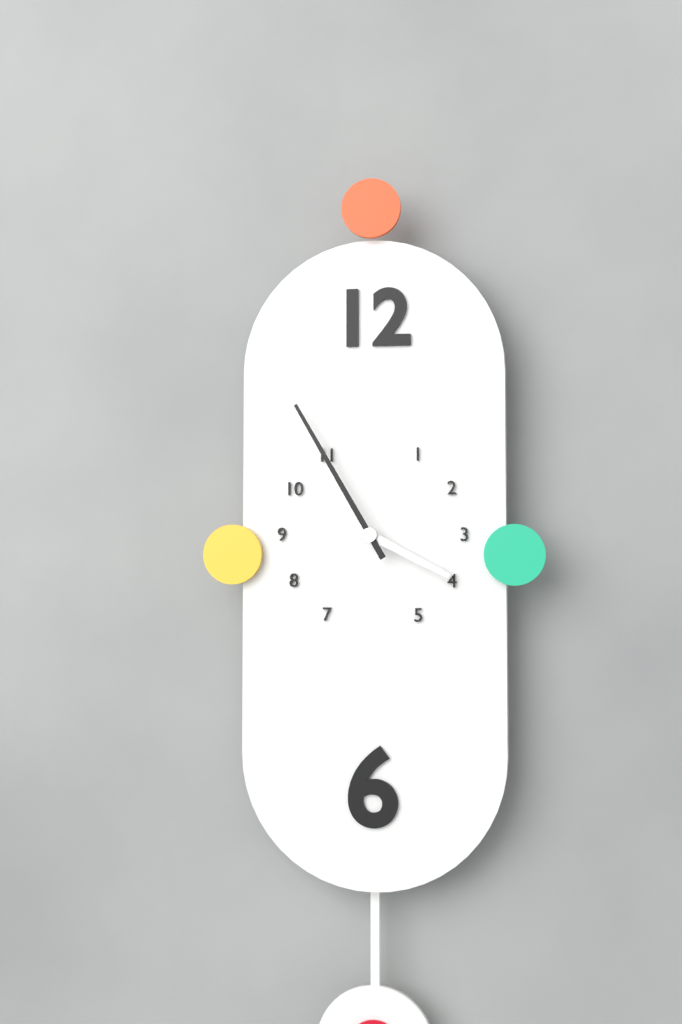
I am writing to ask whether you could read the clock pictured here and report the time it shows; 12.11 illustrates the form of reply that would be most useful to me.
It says 3.55
